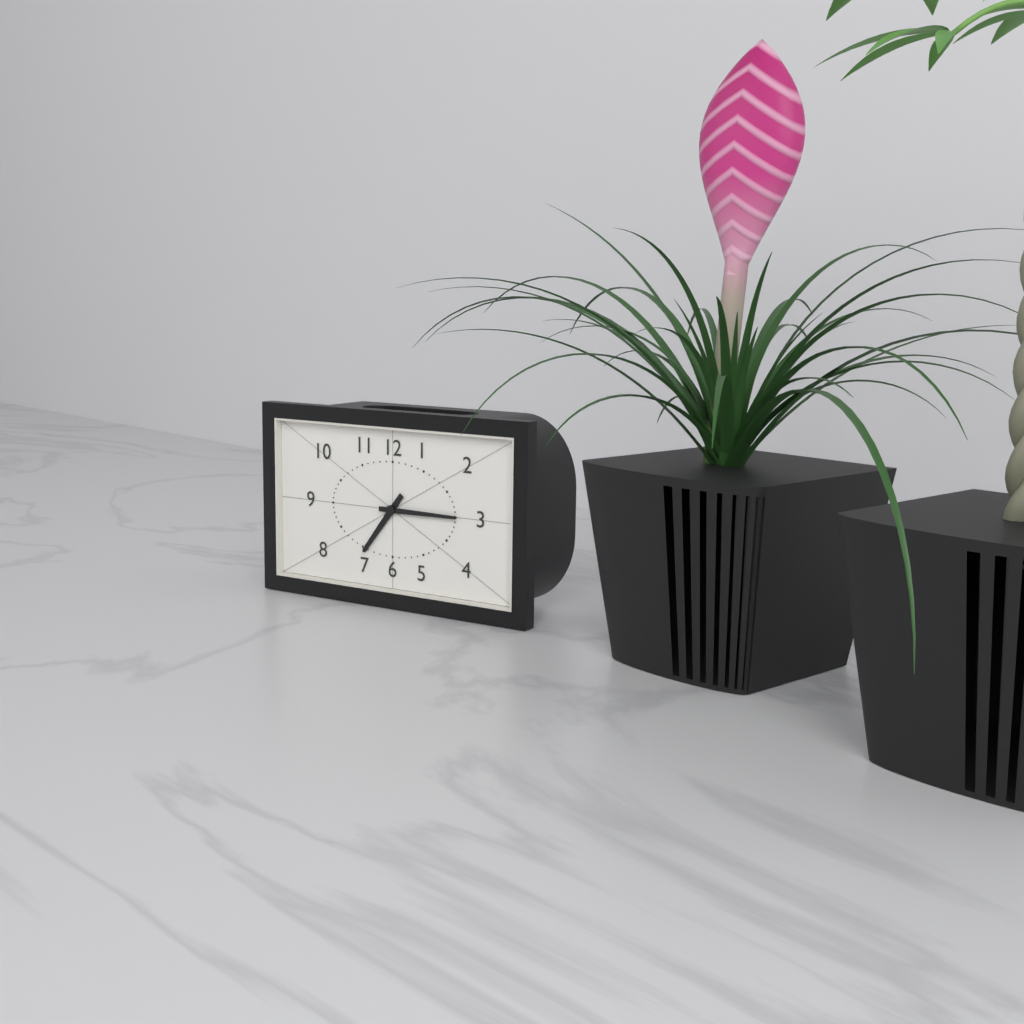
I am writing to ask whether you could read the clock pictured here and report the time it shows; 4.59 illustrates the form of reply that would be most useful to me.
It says 7.15
